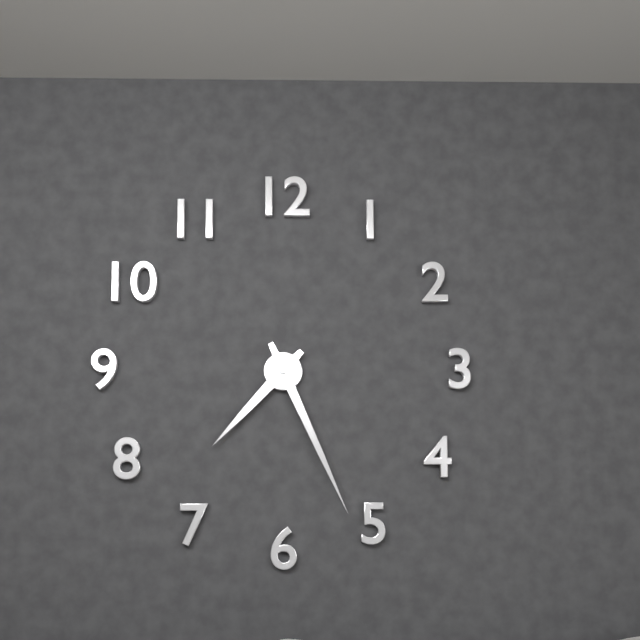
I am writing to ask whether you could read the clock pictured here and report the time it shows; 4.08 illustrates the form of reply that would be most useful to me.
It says 7.26
